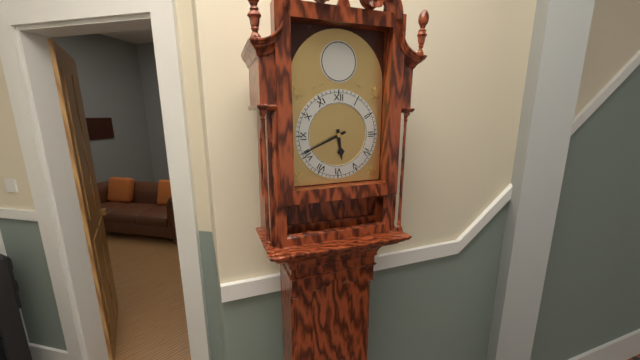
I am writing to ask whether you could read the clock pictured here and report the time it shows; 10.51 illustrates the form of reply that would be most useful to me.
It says 5.41
